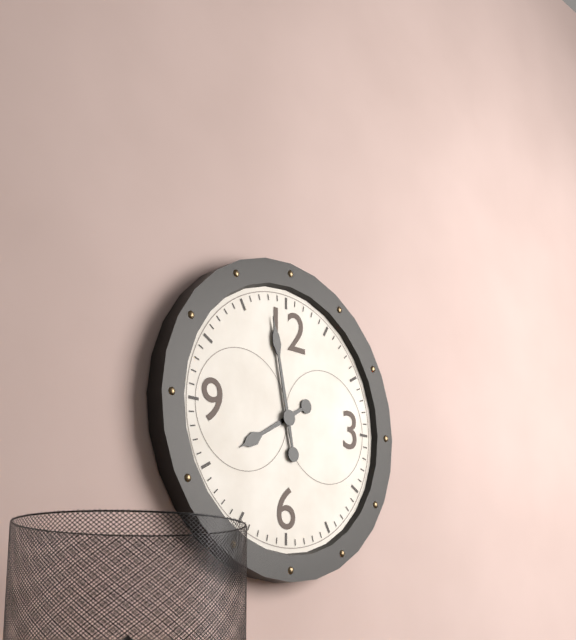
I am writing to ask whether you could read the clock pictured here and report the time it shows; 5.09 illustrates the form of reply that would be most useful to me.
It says 7.58
